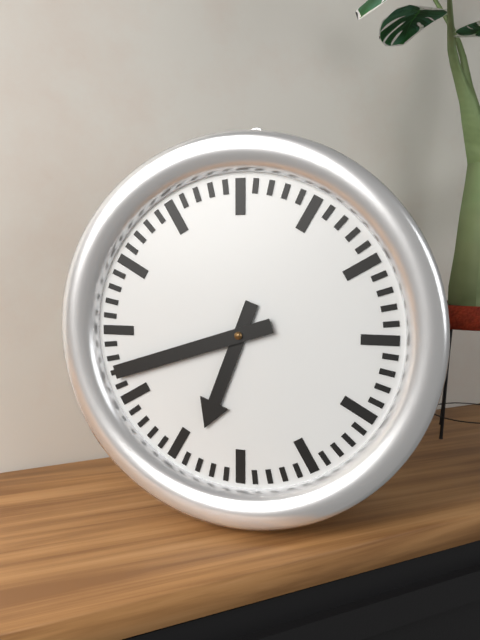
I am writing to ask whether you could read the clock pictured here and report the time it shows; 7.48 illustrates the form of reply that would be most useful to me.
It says 6.42
